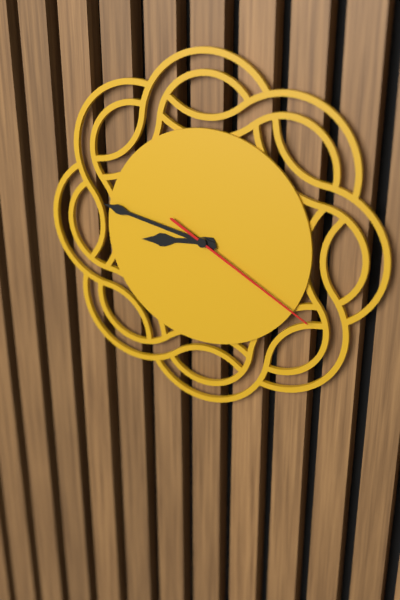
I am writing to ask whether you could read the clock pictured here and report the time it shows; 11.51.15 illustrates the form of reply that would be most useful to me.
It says 8.47.20
